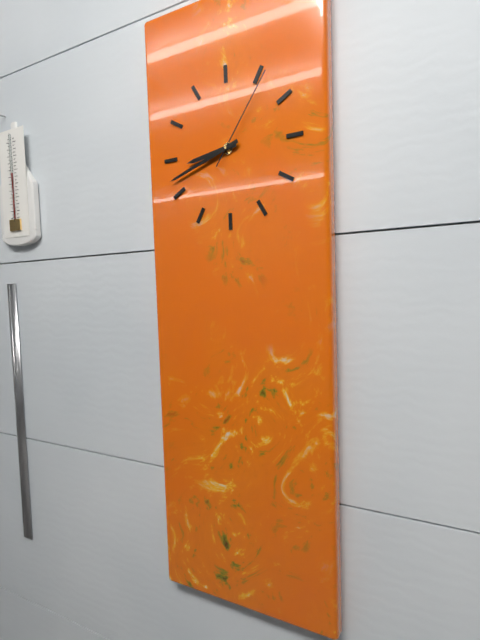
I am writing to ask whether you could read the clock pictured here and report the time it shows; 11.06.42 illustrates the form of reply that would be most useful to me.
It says 8.42.06
